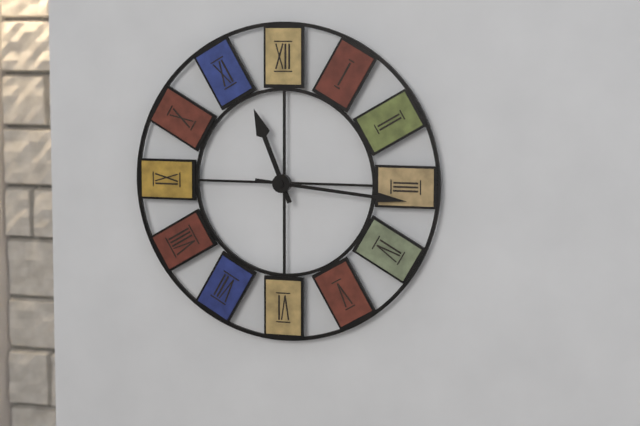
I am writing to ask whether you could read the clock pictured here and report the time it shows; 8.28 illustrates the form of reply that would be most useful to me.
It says 11.16
